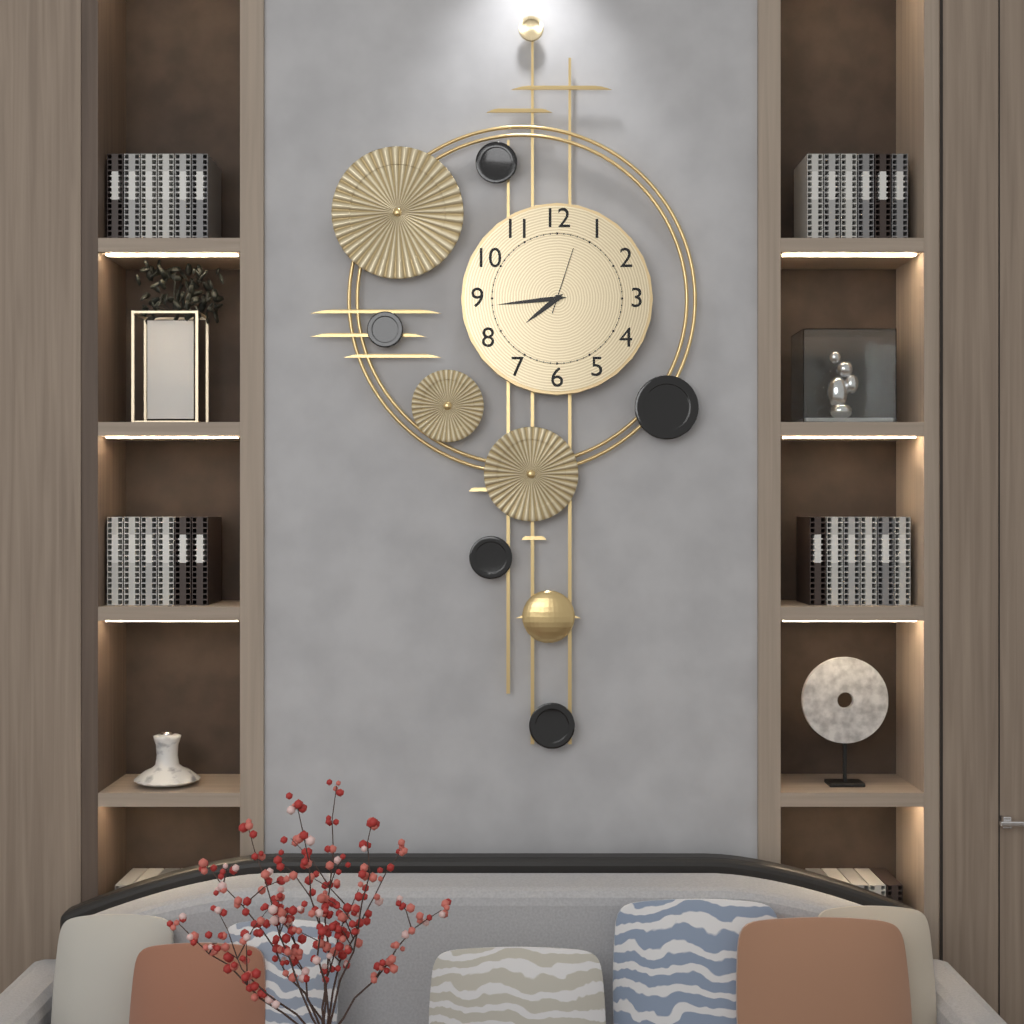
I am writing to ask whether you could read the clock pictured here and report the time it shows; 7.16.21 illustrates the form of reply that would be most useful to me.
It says 7.44.03
